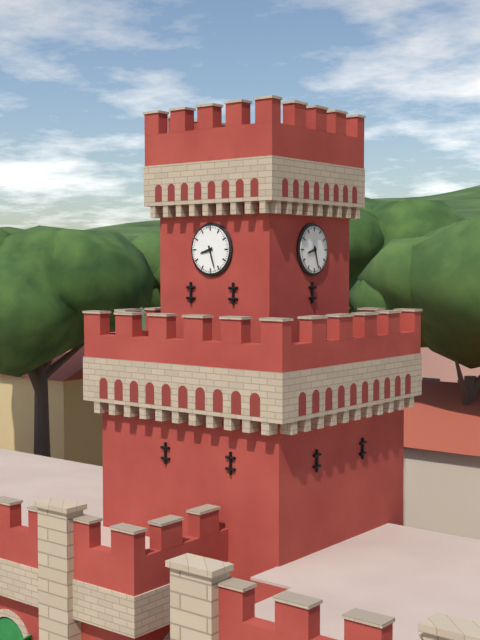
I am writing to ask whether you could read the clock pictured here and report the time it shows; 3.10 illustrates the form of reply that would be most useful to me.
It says 8.27
